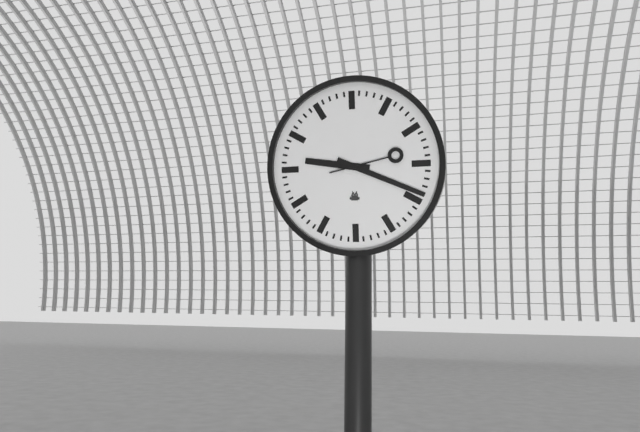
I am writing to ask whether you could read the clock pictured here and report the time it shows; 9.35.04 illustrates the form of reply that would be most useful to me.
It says 9.19.13
